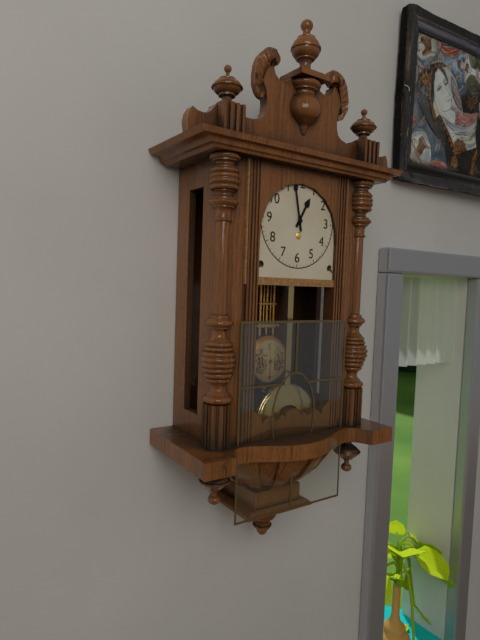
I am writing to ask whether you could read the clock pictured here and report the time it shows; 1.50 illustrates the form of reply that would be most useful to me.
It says 12.58
